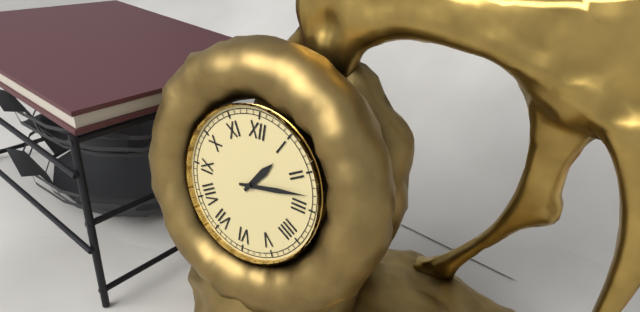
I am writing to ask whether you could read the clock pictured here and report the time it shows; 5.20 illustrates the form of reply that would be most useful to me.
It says 1.13
